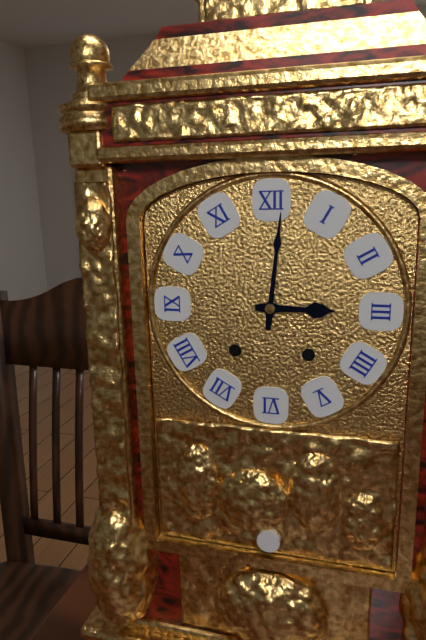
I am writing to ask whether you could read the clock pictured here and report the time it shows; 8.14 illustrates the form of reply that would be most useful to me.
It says 3.01
